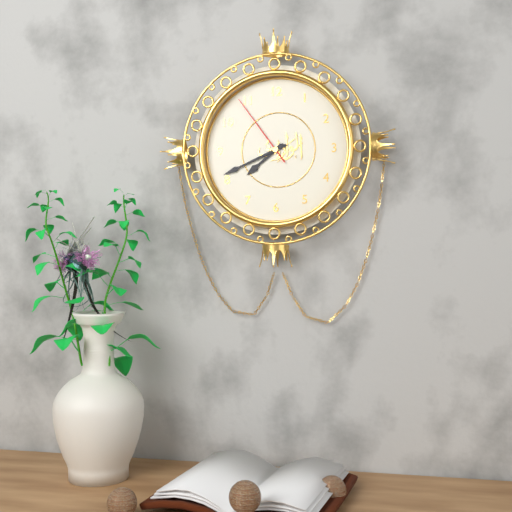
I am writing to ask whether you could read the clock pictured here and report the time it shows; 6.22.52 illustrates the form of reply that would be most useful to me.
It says 7.41.54
